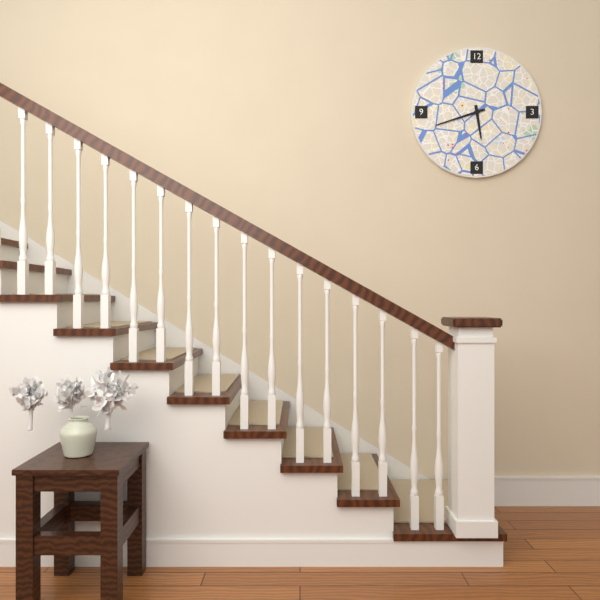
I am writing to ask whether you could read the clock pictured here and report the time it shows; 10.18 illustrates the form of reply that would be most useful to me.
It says 5.42
